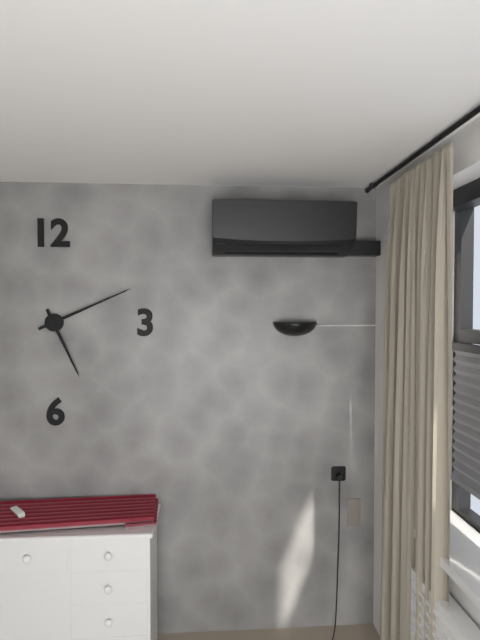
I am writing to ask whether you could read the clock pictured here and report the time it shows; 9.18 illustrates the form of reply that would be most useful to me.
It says 5.11
